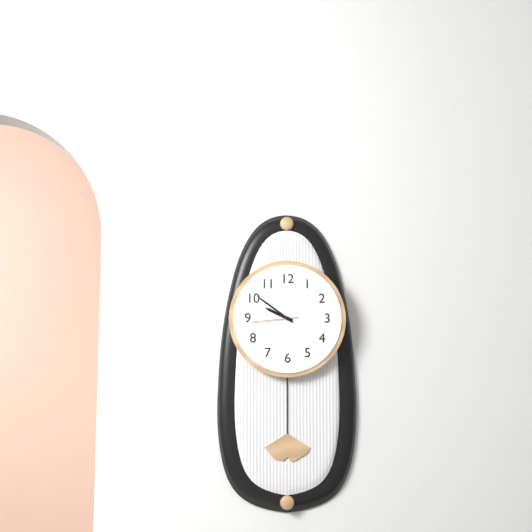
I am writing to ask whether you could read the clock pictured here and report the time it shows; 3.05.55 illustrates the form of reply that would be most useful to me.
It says 9.51.44
